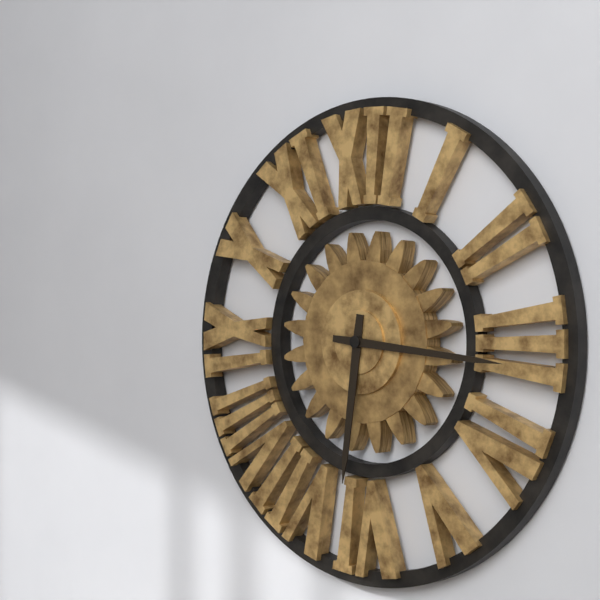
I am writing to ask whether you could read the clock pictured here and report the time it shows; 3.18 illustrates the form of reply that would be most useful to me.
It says 6.16
